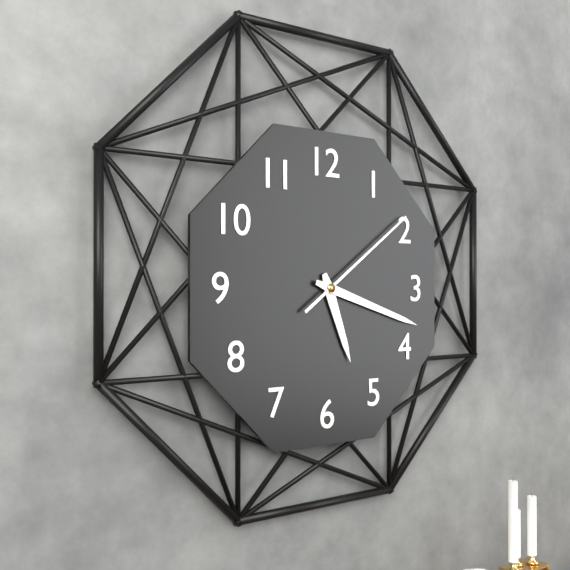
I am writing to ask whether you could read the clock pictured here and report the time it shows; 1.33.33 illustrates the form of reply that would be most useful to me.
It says 5.18.09
